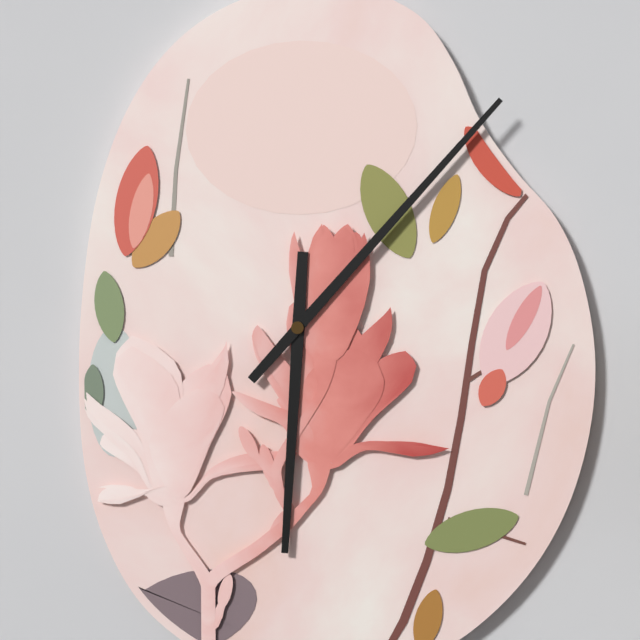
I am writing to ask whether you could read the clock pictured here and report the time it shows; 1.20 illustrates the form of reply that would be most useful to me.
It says 6.07
